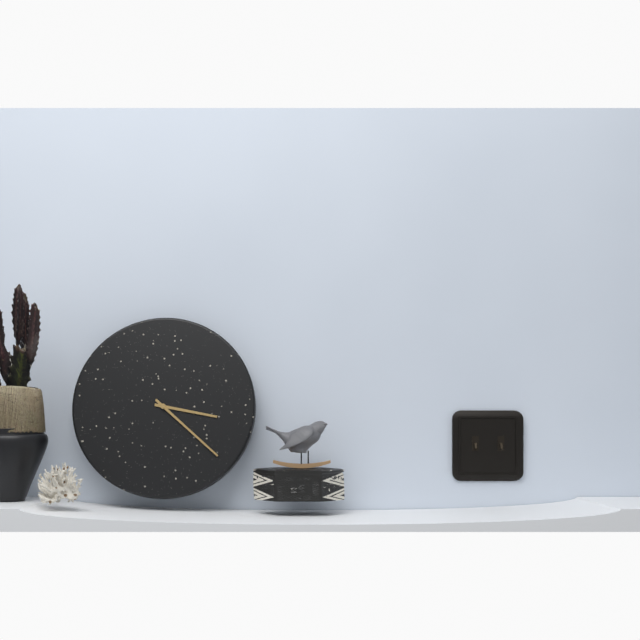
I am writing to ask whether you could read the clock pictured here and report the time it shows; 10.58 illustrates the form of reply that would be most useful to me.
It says 3.22
